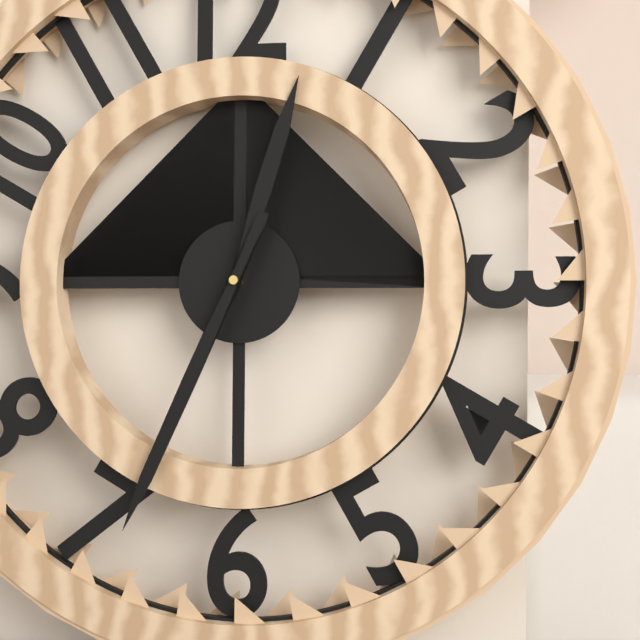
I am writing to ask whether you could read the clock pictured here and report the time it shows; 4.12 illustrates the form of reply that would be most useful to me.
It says 12.34
